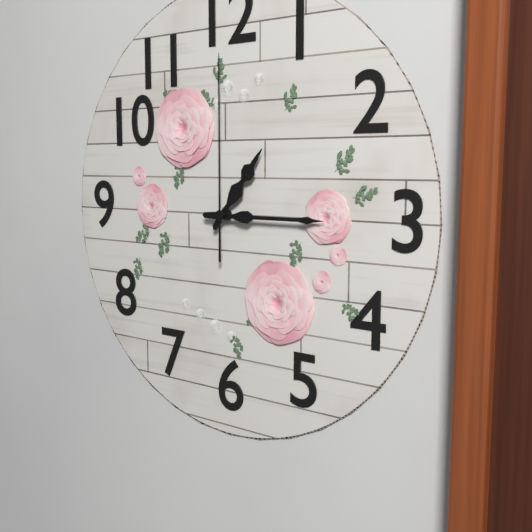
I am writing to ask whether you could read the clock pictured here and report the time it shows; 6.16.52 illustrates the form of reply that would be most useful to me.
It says 1.15.00
